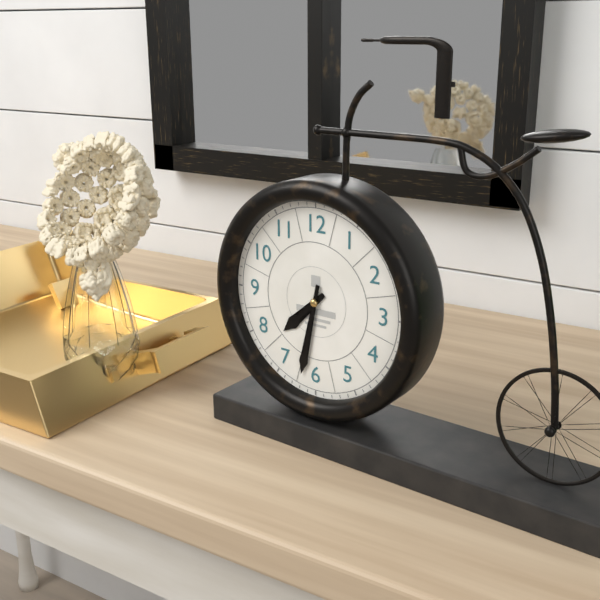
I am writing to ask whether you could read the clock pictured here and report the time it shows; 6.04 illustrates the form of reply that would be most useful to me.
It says 7.32
